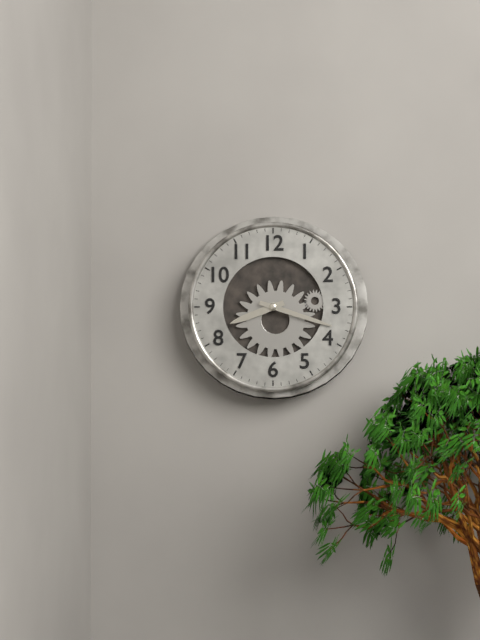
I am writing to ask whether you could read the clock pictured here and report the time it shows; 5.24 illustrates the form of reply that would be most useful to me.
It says 8.18
